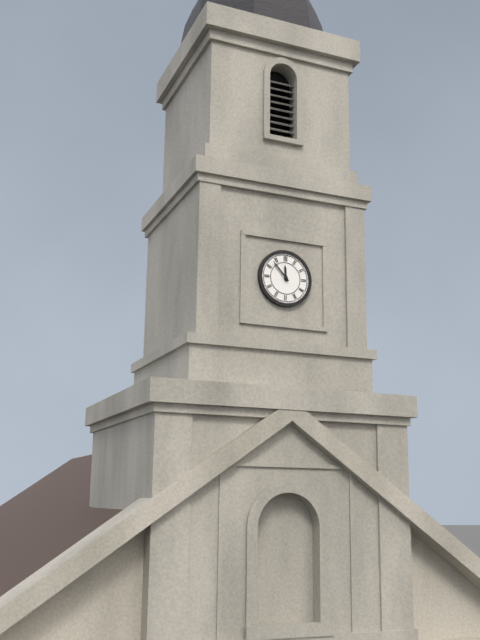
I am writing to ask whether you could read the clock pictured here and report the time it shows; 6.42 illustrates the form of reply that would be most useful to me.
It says 11.53
